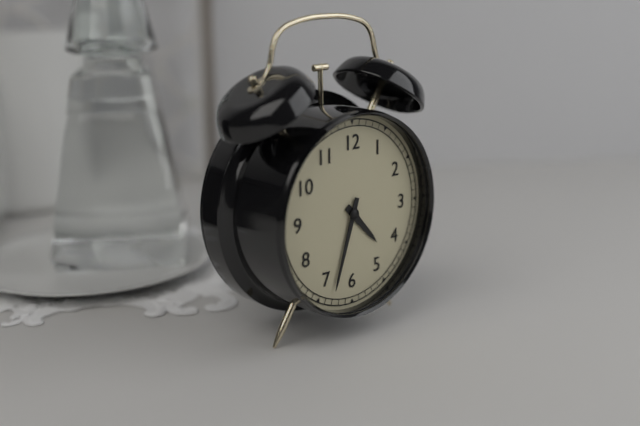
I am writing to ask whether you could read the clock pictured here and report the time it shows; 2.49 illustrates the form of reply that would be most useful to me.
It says 4.33
